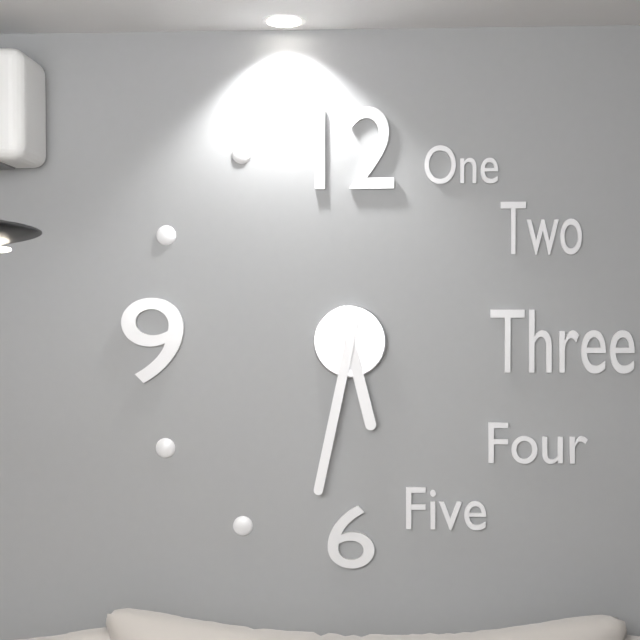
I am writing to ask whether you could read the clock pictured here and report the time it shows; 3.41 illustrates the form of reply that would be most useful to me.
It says 5.32
